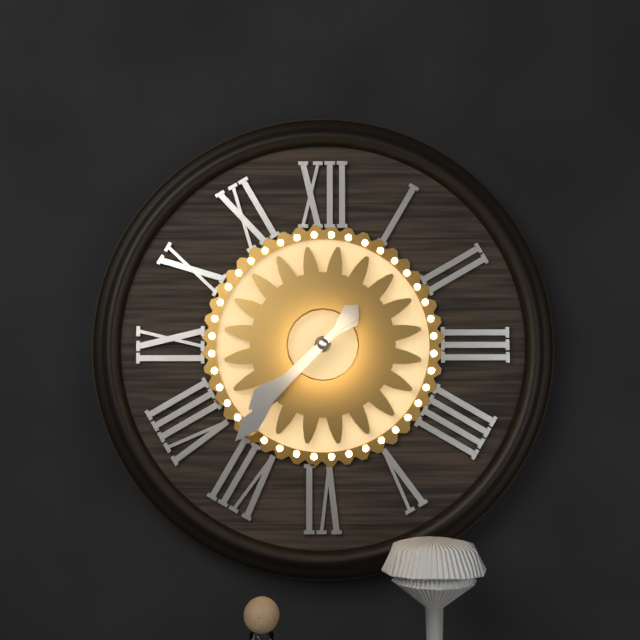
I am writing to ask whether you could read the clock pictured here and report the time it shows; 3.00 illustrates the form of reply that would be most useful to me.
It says 7.37
